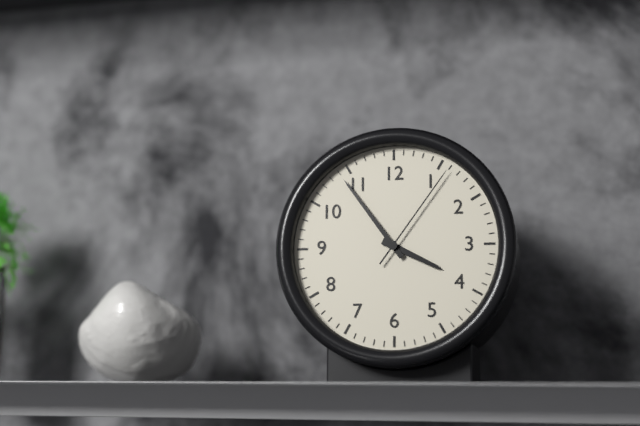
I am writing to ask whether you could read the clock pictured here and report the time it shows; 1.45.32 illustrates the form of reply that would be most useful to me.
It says 3.54.06
